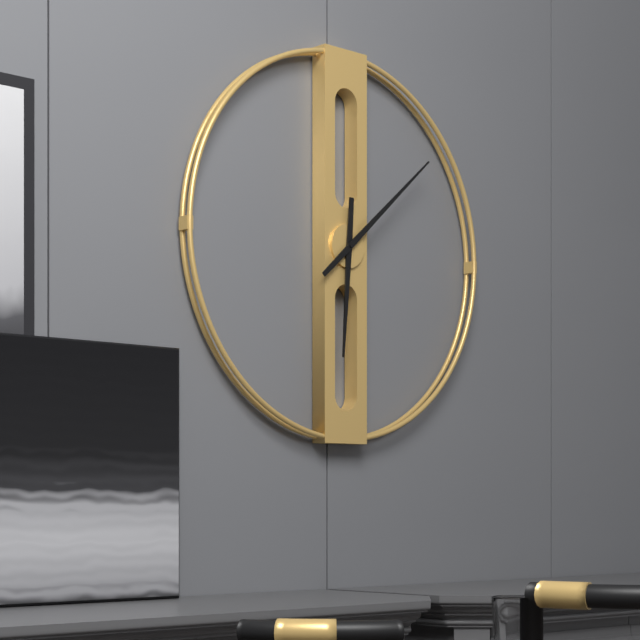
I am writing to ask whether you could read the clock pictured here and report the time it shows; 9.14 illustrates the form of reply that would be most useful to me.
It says 6.08
